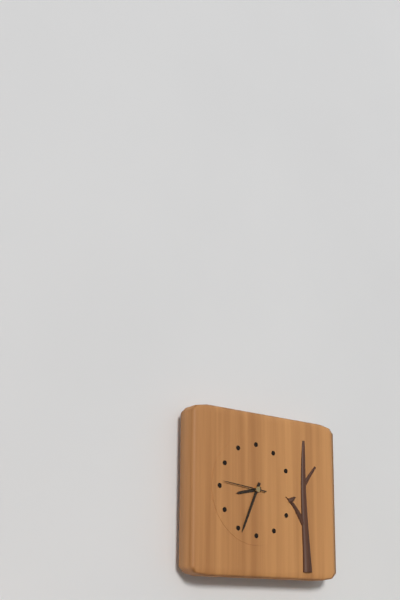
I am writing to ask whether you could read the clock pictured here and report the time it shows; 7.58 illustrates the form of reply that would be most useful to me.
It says 8.34
